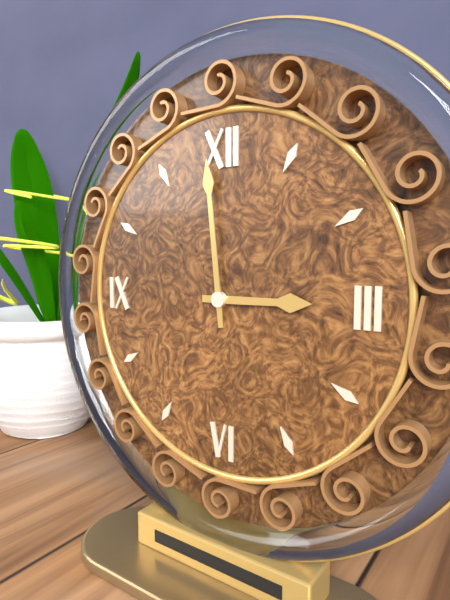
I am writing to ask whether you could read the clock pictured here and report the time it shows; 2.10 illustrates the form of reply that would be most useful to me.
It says 2.59
